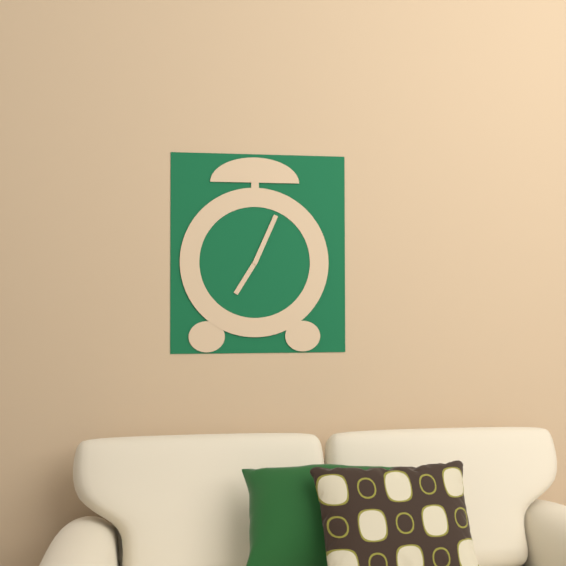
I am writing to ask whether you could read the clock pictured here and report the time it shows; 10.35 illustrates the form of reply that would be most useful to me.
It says 7.04
